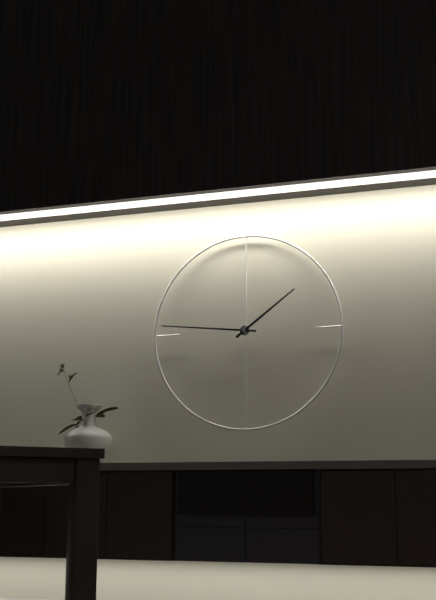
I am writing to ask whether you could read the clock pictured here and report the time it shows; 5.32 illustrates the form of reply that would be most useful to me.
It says 1.46
